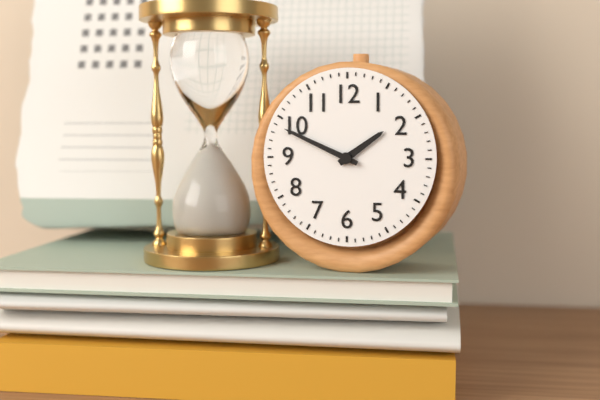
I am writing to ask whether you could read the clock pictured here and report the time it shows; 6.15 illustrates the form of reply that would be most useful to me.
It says 1.49
